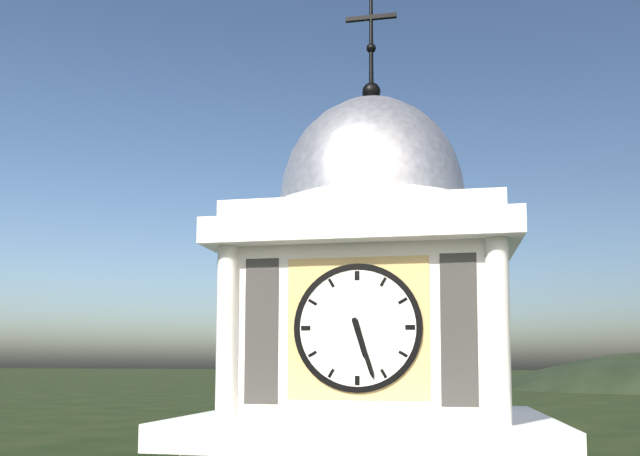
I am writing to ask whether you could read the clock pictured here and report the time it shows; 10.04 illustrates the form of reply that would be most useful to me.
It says 5.27
